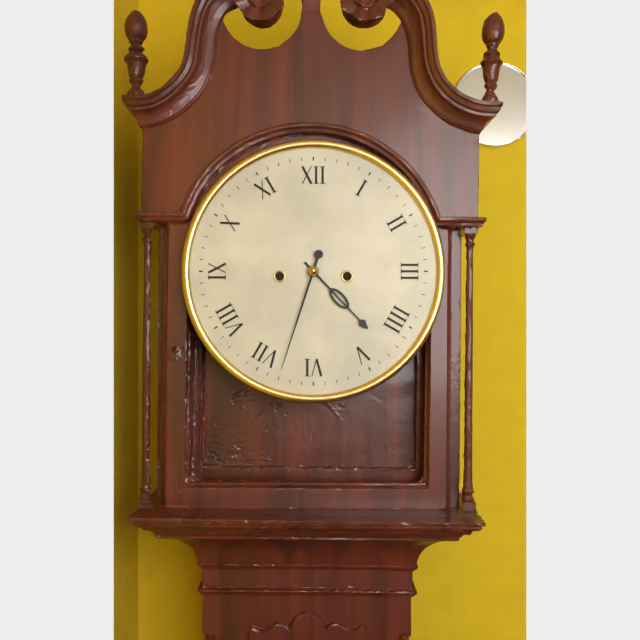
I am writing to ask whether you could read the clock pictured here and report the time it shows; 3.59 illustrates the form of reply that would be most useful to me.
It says 4.33
